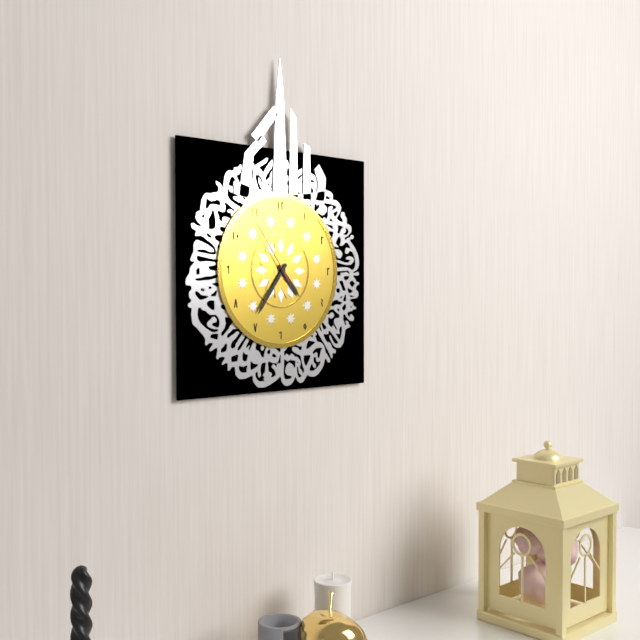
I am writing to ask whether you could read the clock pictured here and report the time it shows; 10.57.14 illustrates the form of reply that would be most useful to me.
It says 4.36.54
